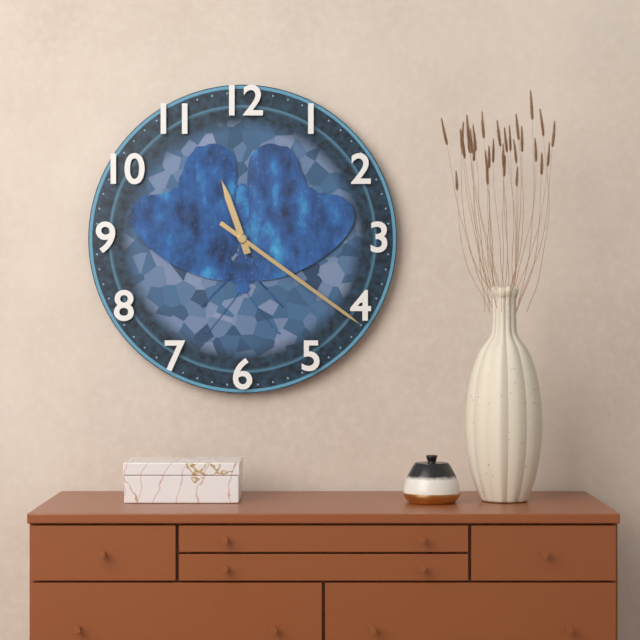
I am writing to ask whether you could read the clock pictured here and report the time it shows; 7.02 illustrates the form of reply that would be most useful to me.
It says 11.21
